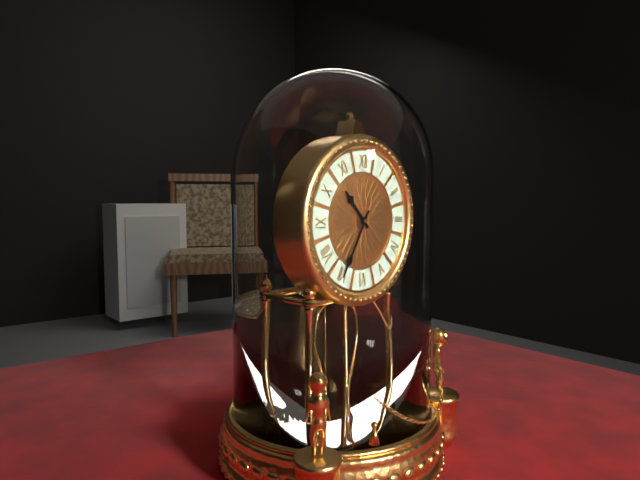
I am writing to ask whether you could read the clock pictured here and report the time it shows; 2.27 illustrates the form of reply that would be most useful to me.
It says 10.35
